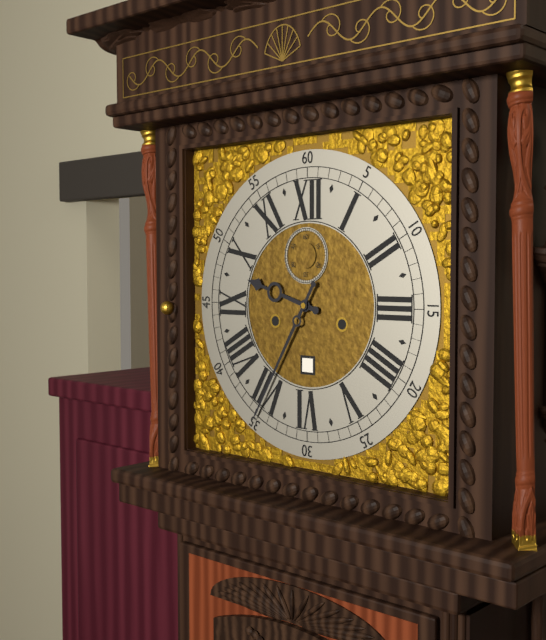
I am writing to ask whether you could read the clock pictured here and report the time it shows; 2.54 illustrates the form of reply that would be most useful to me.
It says 9.35
